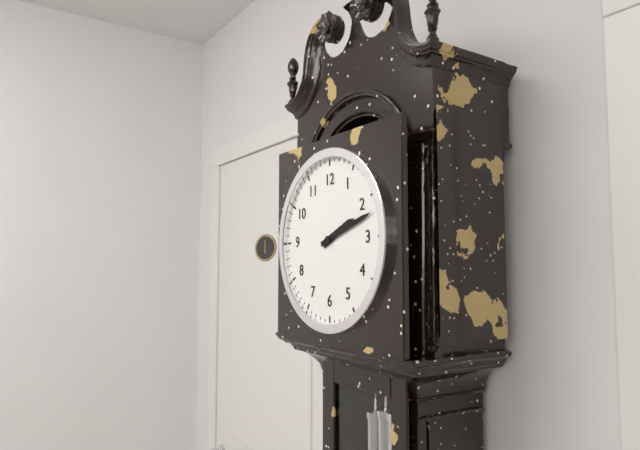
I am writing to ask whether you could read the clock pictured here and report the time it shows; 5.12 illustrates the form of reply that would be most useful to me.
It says 2.12
